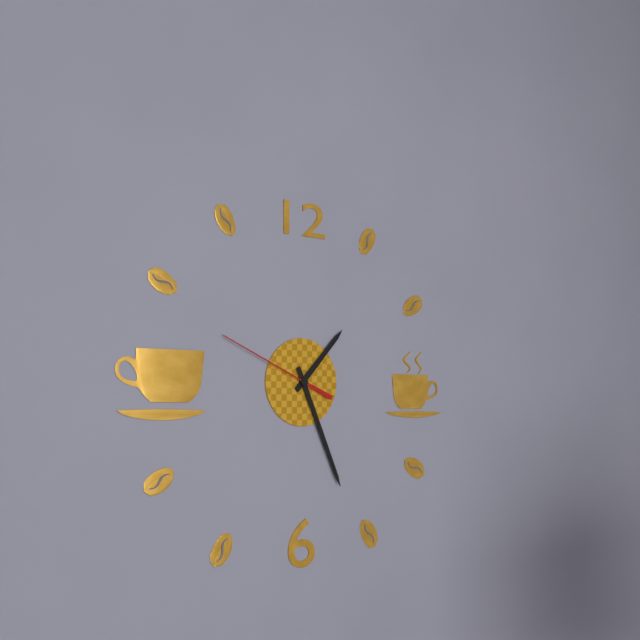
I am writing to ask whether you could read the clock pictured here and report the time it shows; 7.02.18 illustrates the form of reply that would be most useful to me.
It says 1.26.49
